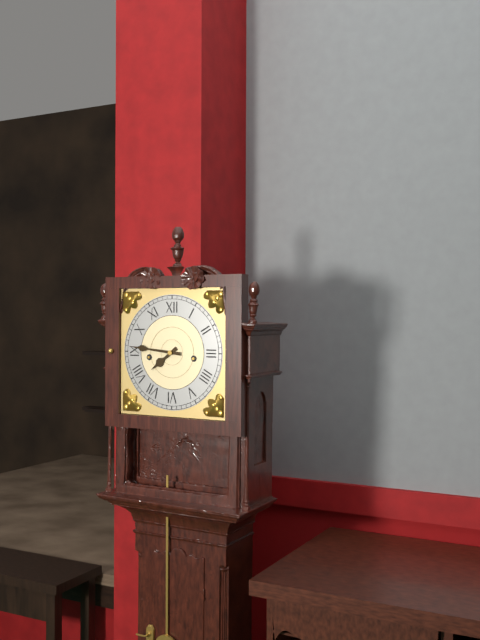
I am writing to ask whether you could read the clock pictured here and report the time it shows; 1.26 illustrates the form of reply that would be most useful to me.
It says 7.46
